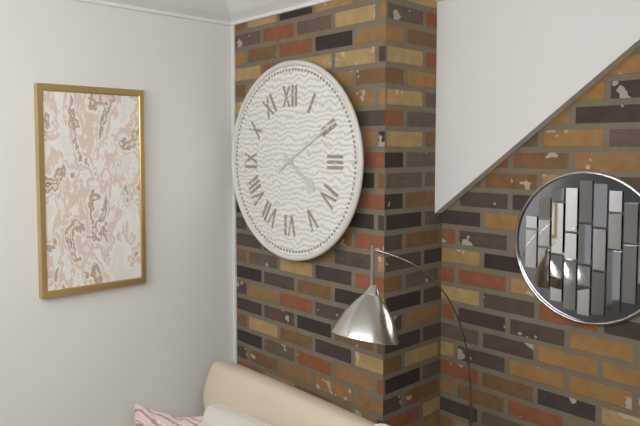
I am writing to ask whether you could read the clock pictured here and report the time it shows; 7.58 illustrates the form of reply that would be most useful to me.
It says 4.10
